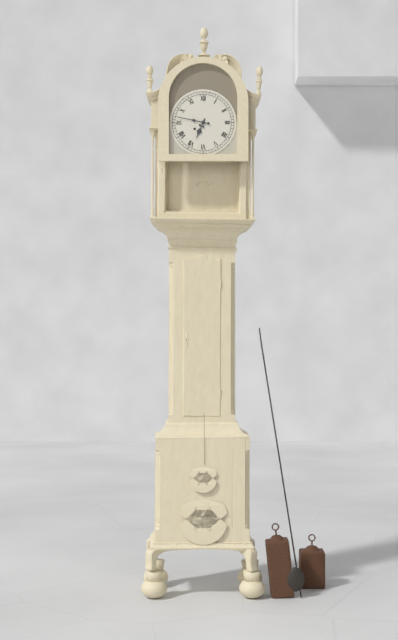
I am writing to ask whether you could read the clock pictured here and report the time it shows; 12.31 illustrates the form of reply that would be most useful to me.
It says 6.47
